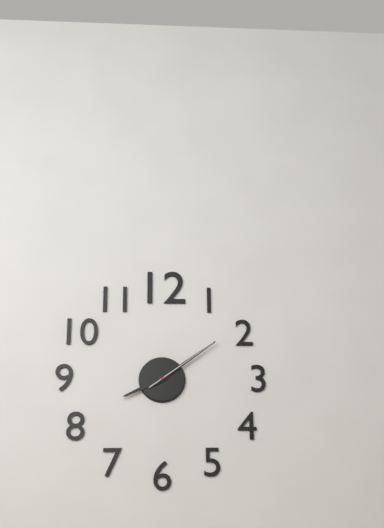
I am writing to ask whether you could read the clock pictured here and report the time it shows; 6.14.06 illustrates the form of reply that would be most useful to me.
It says 8.09.09
